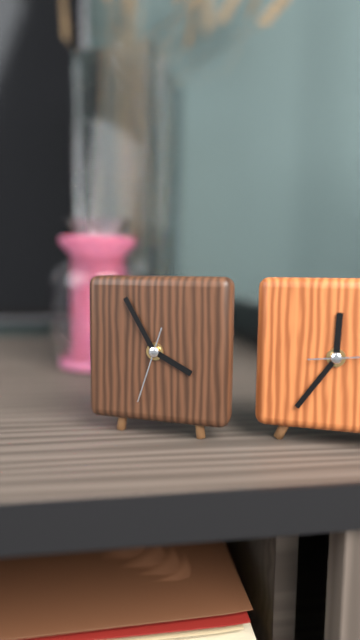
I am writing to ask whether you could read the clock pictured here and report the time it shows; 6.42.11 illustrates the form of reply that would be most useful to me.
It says 3.55.33
